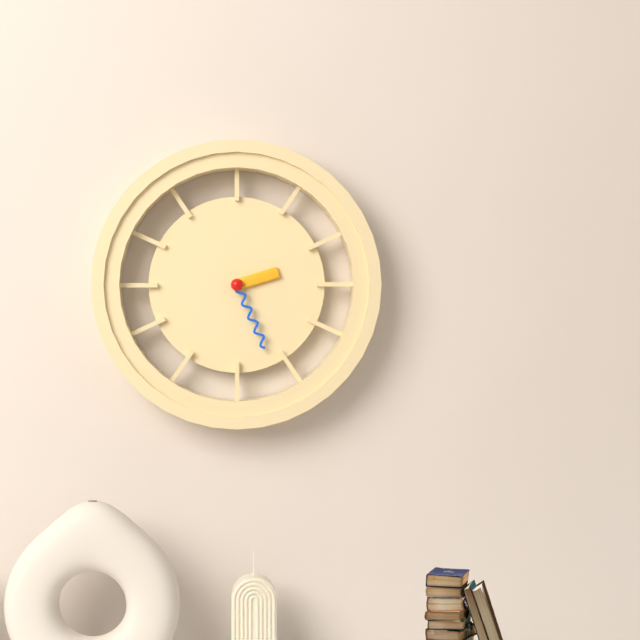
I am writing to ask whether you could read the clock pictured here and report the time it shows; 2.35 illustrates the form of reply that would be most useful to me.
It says 2.26
